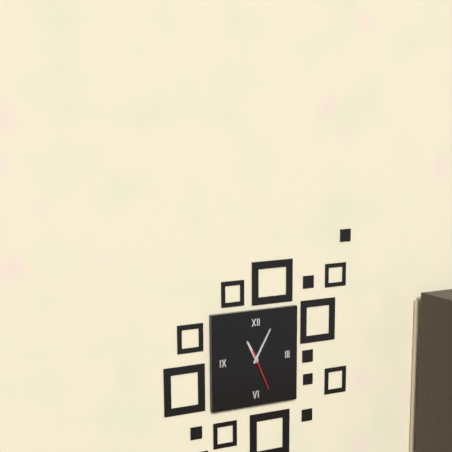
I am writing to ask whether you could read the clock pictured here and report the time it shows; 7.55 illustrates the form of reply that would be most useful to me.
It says 11.05
